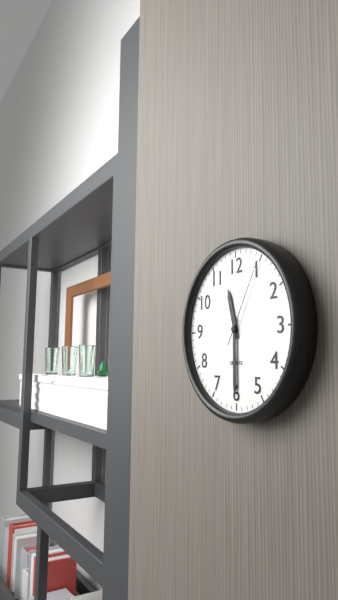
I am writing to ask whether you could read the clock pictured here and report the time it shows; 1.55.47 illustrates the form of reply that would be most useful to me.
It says 11.30.05
